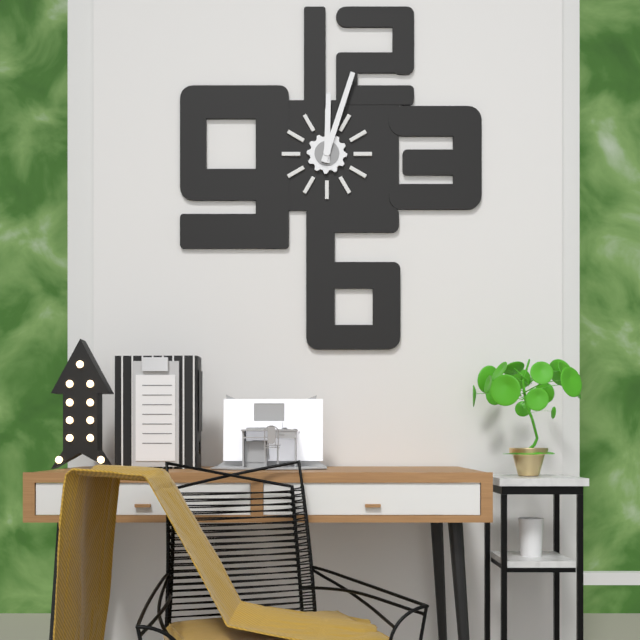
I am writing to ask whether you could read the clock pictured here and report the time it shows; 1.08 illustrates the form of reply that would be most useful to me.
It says 12.03
